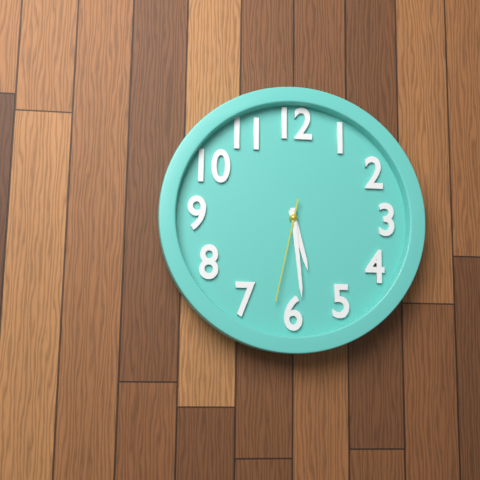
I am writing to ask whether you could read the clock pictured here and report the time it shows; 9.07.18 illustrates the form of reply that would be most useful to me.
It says 5.29.32
